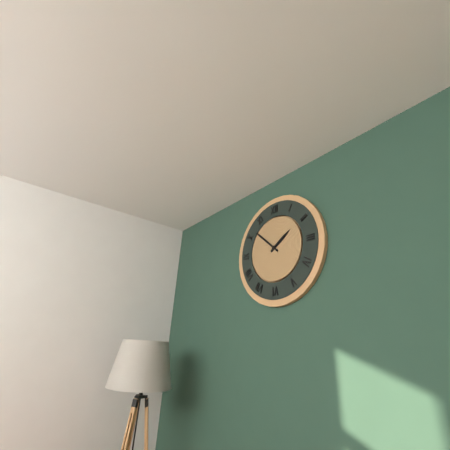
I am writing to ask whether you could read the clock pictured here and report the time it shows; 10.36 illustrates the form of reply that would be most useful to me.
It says 1.52
